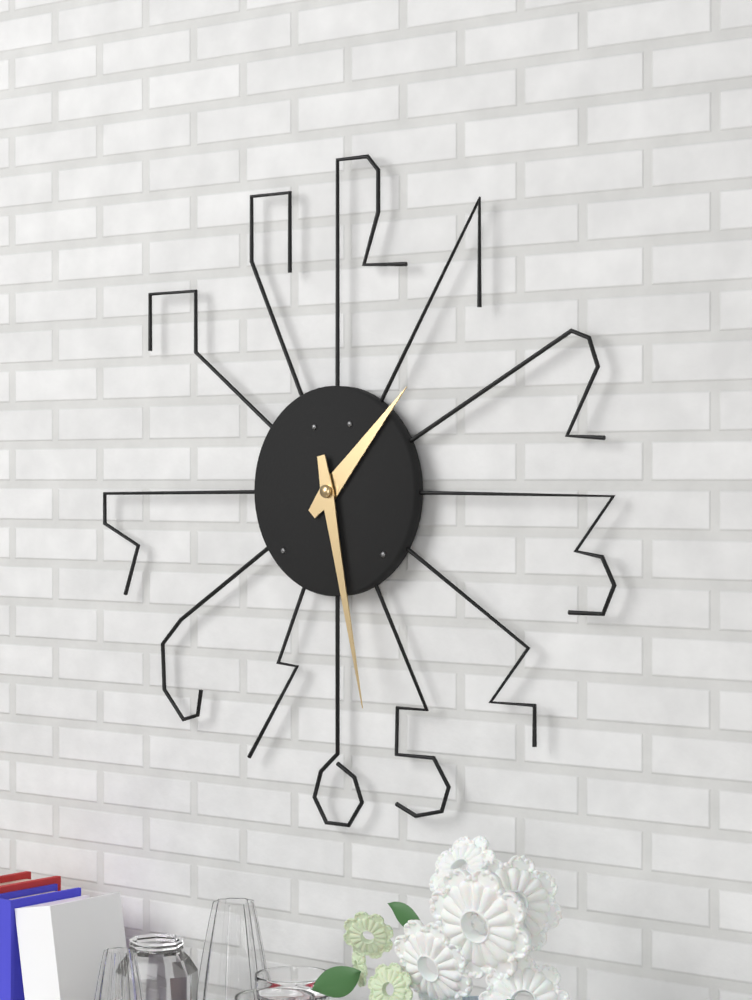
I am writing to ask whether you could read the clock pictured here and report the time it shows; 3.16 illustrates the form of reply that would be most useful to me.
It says 1.28
